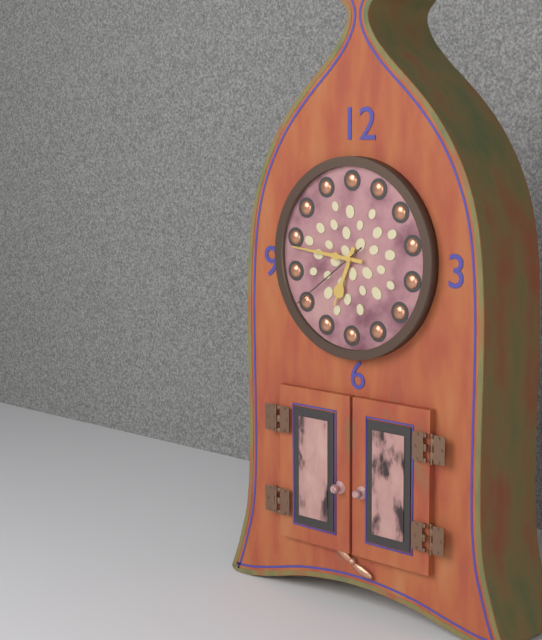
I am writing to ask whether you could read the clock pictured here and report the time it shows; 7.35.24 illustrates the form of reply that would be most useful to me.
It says 6.46.39
